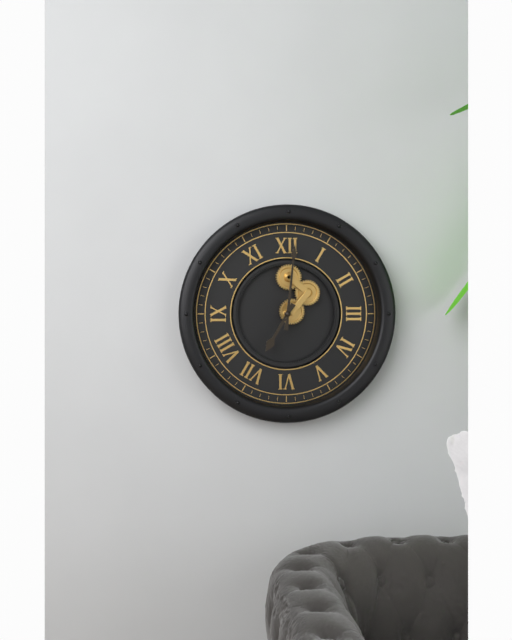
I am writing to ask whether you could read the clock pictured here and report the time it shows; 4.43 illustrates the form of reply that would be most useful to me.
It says 7.01
